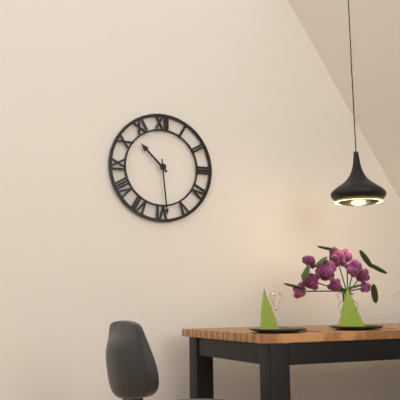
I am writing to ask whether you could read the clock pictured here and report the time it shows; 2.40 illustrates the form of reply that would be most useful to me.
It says 10.29
